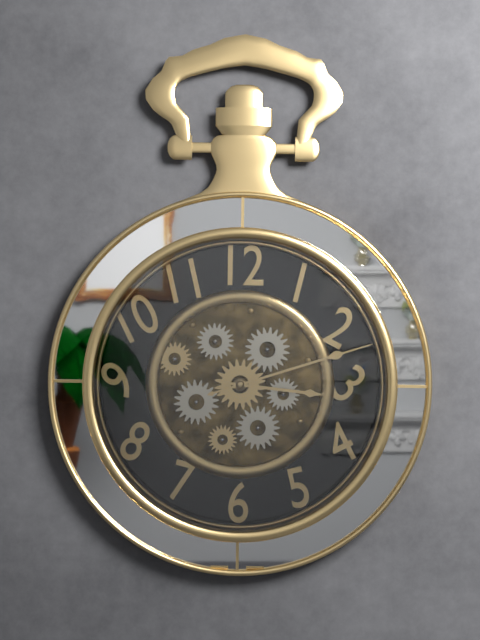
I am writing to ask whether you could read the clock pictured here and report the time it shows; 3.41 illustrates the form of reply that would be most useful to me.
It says 3.12
